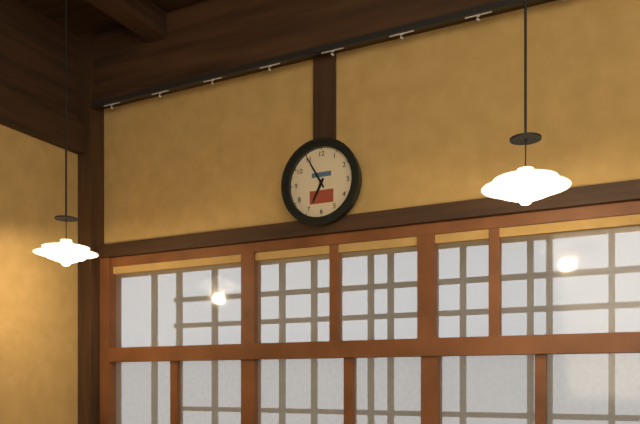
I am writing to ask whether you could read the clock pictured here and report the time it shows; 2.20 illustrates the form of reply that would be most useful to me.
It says 6.55
